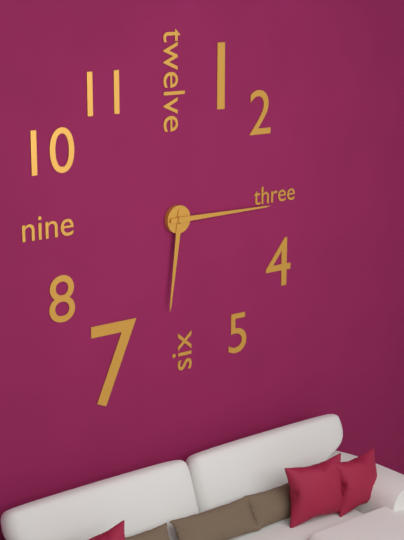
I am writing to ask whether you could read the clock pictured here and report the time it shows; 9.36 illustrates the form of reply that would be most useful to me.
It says 6.15
